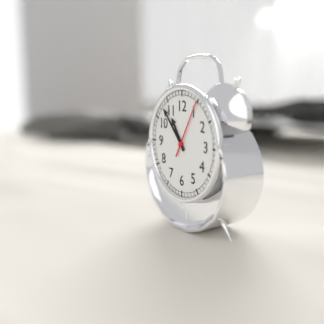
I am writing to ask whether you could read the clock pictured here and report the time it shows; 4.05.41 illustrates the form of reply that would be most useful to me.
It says 10.53.05
